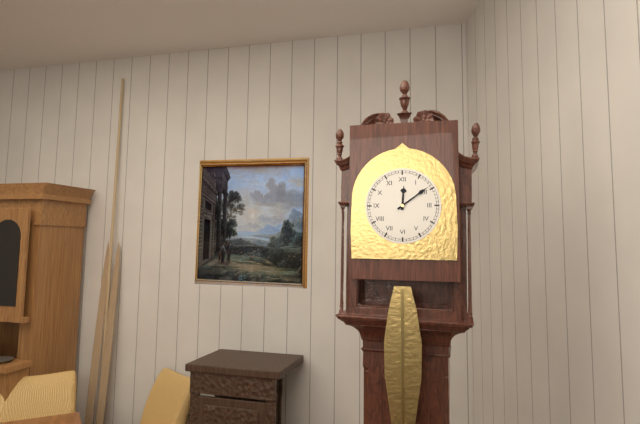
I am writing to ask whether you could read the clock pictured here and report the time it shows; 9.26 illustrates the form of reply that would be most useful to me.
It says 12.09
